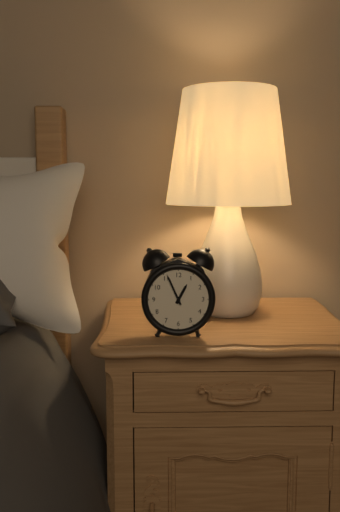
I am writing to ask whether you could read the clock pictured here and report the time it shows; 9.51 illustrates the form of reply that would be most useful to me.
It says 12.56
